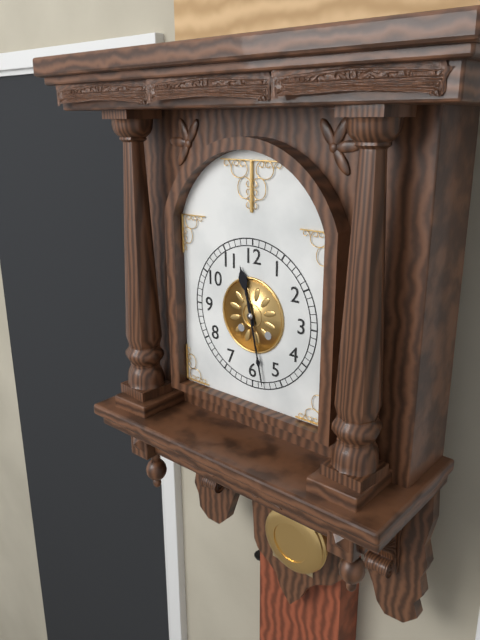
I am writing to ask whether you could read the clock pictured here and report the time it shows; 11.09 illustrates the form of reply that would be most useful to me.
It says 11.28
